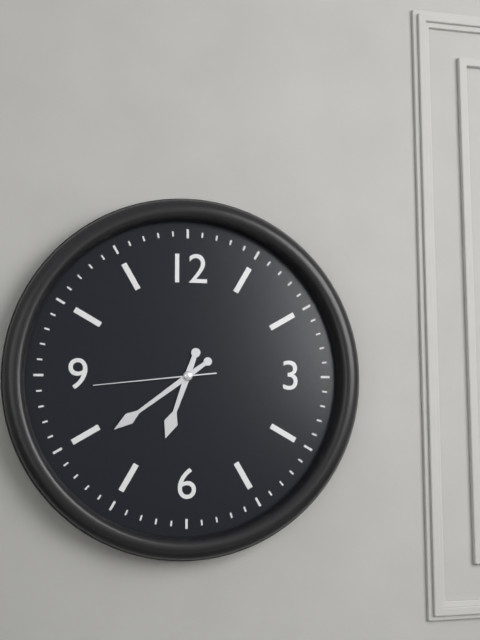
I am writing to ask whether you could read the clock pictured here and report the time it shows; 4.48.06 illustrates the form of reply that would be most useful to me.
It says 6.39.44
